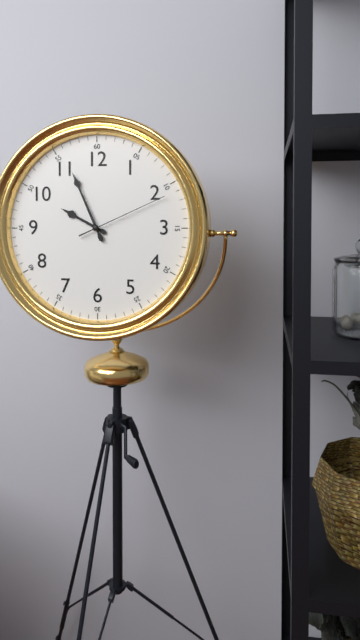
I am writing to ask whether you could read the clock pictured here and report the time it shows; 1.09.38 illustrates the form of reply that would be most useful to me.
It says 9.56.11
